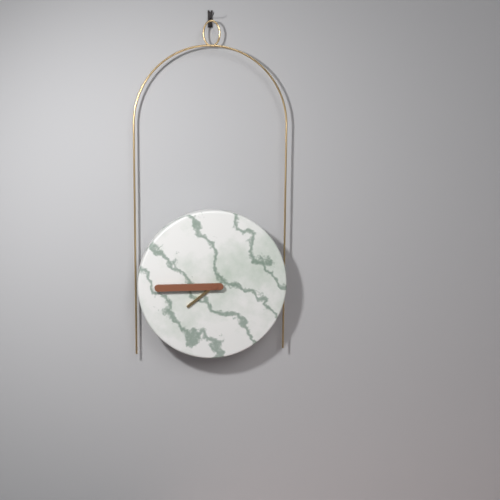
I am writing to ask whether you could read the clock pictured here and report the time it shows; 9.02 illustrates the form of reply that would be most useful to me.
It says 7.45
